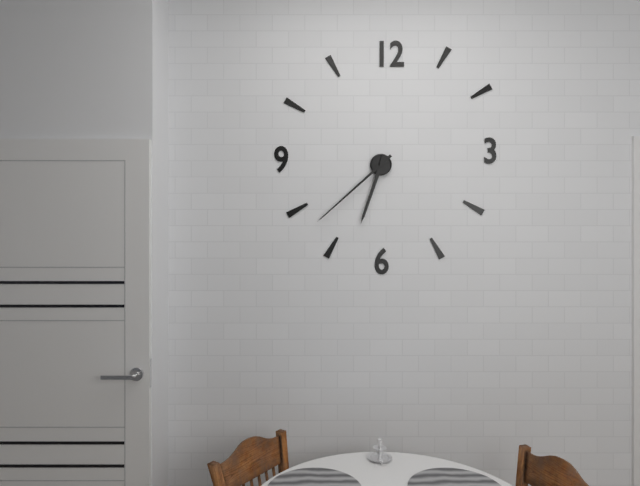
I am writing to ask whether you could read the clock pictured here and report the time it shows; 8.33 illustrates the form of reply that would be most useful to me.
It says 6.38
